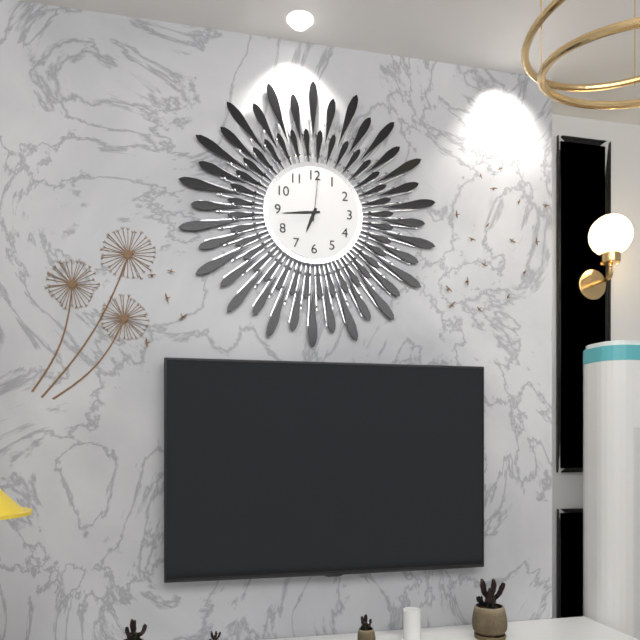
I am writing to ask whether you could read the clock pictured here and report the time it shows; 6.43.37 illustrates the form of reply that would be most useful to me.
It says 6.44.01
